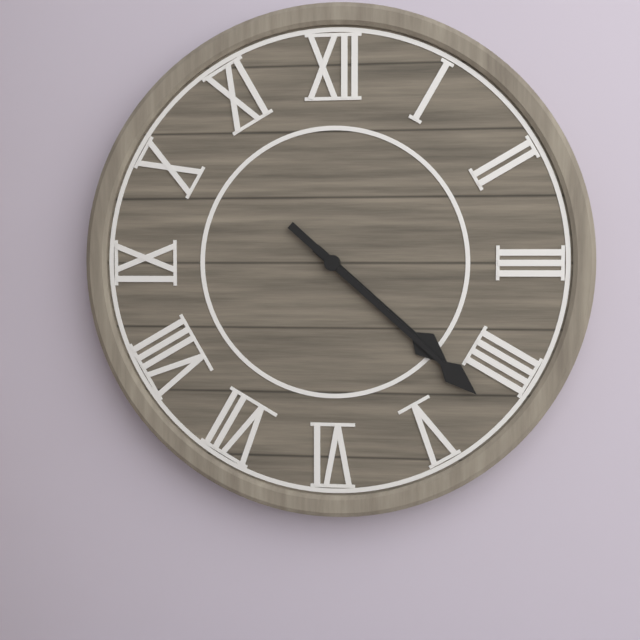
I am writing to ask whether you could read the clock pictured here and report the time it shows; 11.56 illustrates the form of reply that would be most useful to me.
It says 4.22
